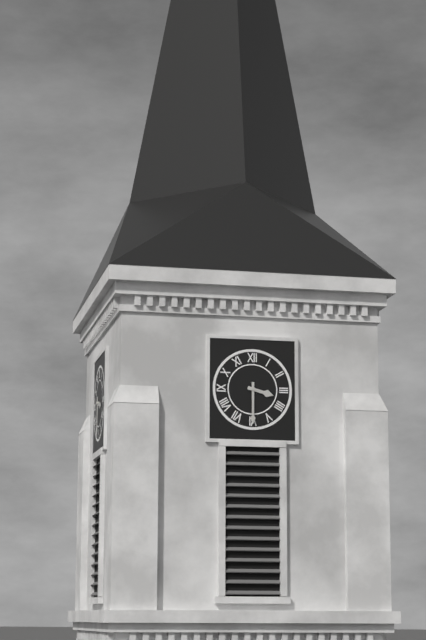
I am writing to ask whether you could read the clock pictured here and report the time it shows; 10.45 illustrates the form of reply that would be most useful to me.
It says 3.30
